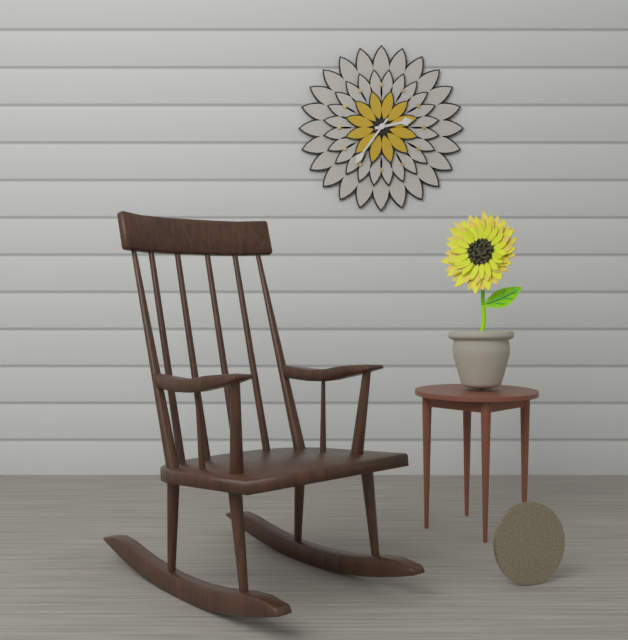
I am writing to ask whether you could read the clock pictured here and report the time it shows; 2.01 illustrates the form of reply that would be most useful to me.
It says 2.36
